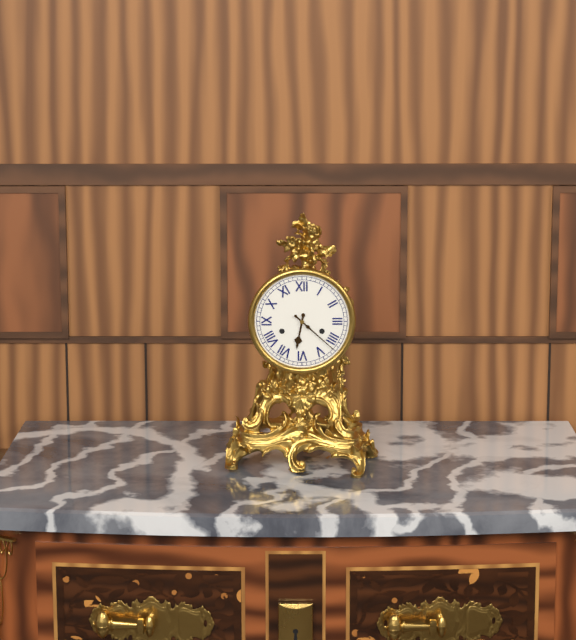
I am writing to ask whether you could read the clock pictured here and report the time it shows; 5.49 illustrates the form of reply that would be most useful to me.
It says 6.22
